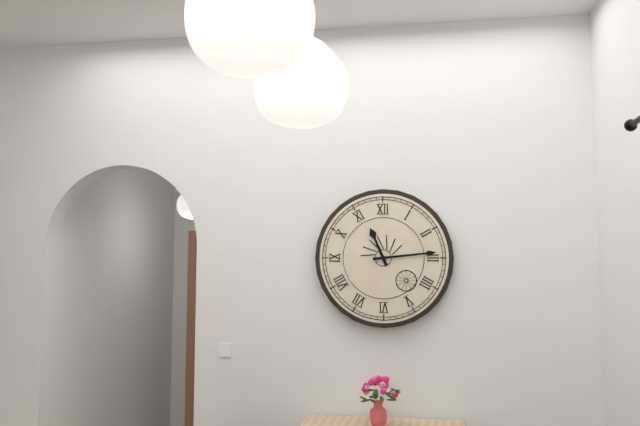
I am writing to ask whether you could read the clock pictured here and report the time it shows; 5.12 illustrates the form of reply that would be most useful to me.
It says 11.14
